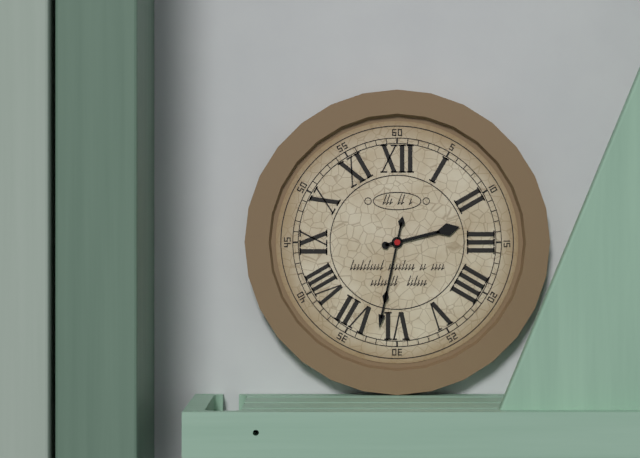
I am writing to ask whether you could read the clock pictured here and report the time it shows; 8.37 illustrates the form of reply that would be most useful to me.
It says 2.32
